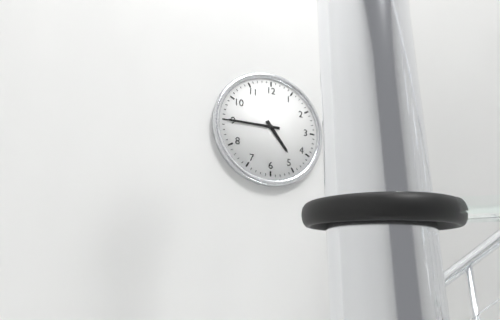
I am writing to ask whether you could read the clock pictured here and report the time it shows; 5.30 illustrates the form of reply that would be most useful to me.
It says 4.45
